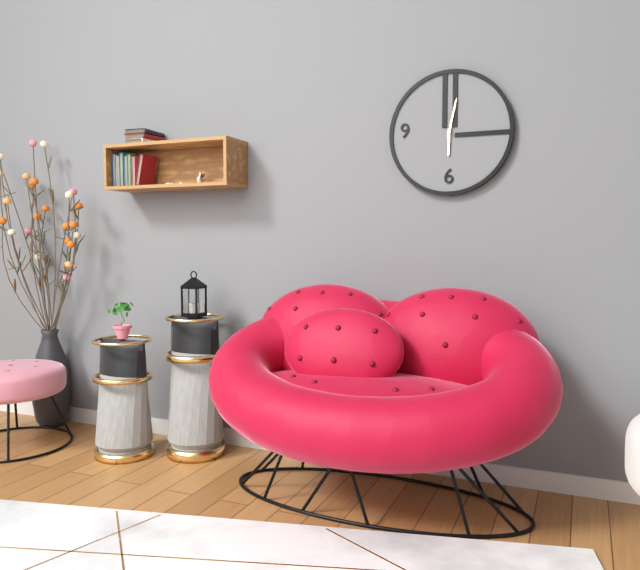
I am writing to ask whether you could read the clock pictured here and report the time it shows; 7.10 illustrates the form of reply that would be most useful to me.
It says 6.02
